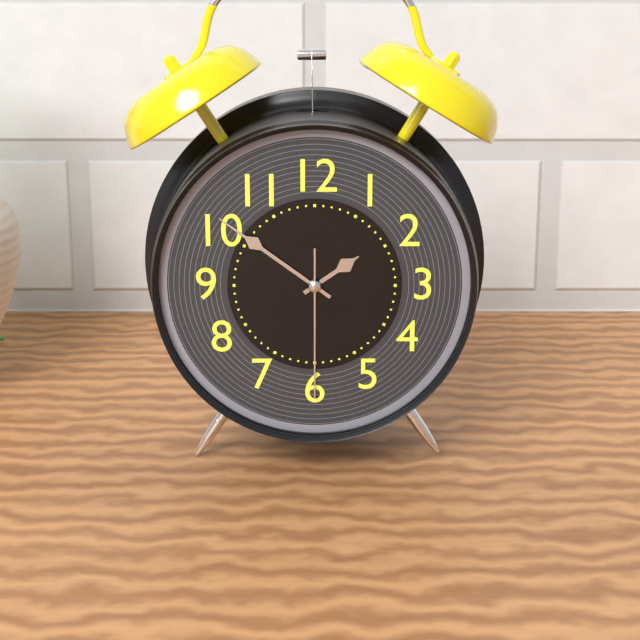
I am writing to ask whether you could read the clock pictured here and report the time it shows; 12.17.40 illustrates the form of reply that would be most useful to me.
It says 1.51.30
